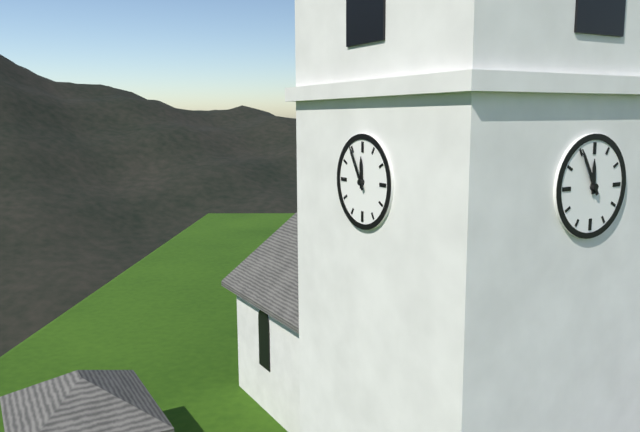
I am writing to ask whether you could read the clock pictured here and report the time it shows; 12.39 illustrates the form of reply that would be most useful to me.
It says 11.55
